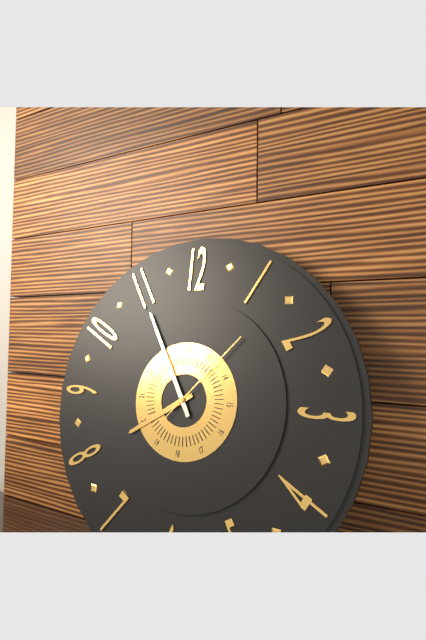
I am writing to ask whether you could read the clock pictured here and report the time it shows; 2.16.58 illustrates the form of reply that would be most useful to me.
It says 7.55.07
